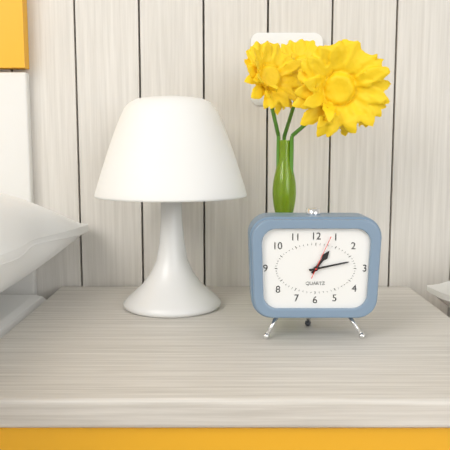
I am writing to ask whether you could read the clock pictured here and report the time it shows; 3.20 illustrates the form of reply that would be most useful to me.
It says 1.13
